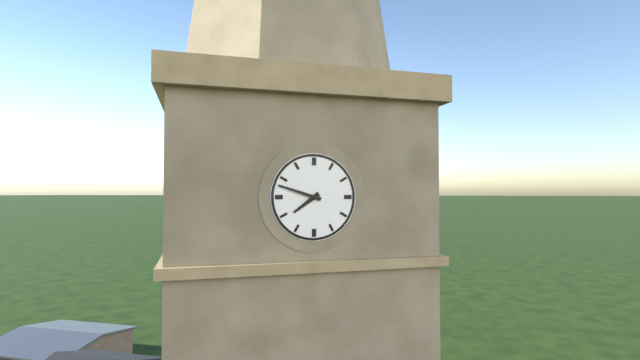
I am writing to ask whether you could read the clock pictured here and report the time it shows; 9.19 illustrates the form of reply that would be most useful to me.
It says 7.48
